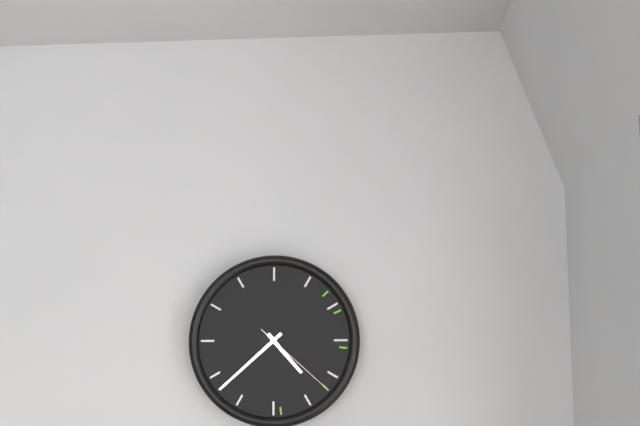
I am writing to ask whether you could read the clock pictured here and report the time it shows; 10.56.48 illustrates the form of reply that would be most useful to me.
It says 4.38.22
